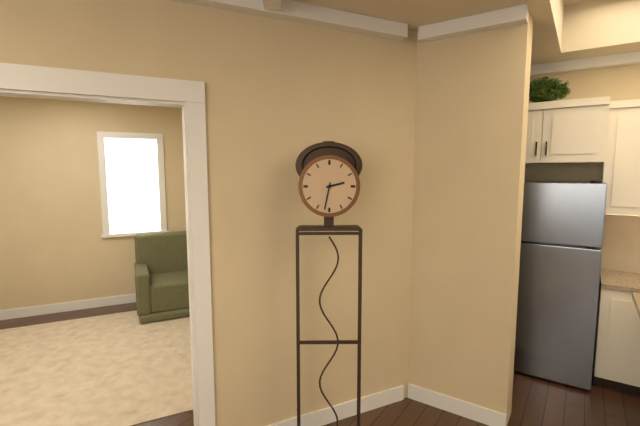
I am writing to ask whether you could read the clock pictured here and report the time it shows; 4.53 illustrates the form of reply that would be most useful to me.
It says 2.32
